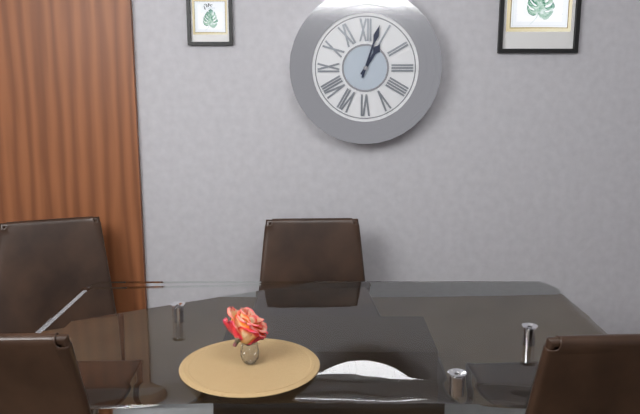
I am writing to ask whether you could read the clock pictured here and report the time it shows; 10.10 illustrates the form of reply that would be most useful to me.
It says 1.03
